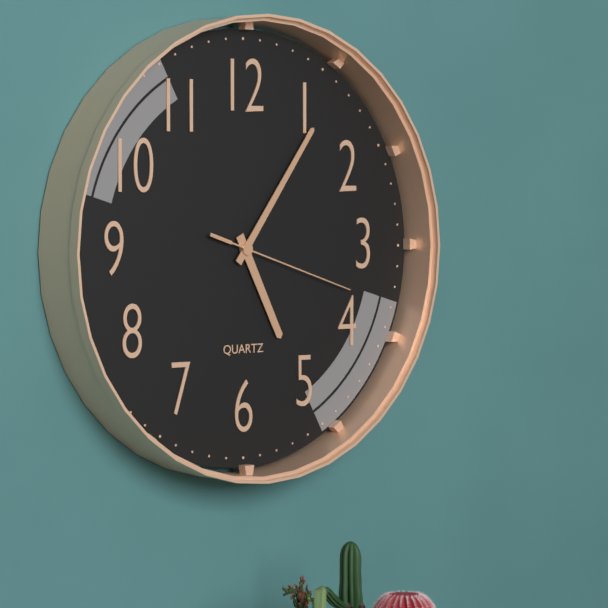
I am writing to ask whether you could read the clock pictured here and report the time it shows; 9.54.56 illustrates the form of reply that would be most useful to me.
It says 5.06.18
